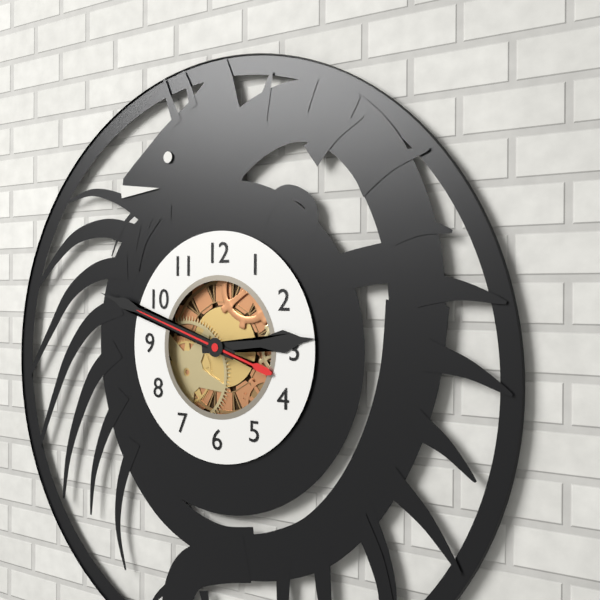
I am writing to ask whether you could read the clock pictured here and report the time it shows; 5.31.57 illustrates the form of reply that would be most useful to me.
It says 2.48.48
